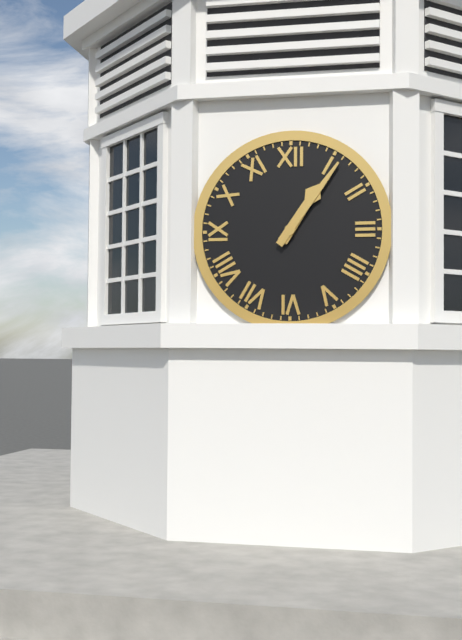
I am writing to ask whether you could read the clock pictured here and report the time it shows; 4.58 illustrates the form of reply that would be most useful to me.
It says 1.06
